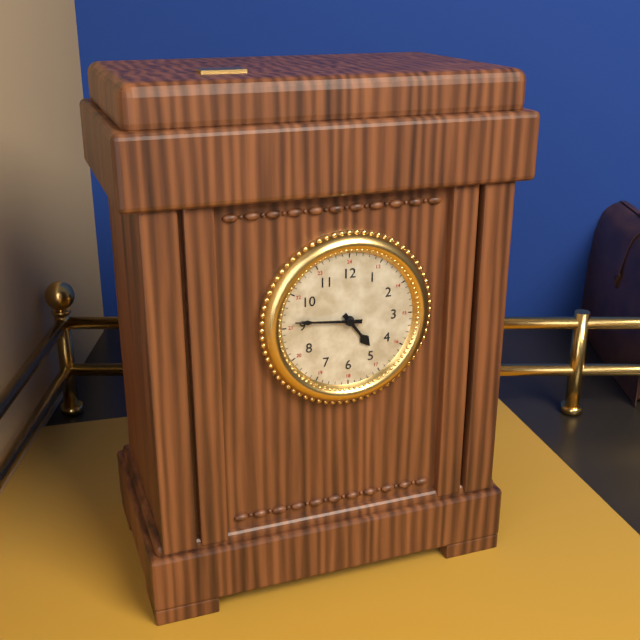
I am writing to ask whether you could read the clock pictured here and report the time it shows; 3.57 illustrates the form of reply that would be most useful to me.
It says 4.46
